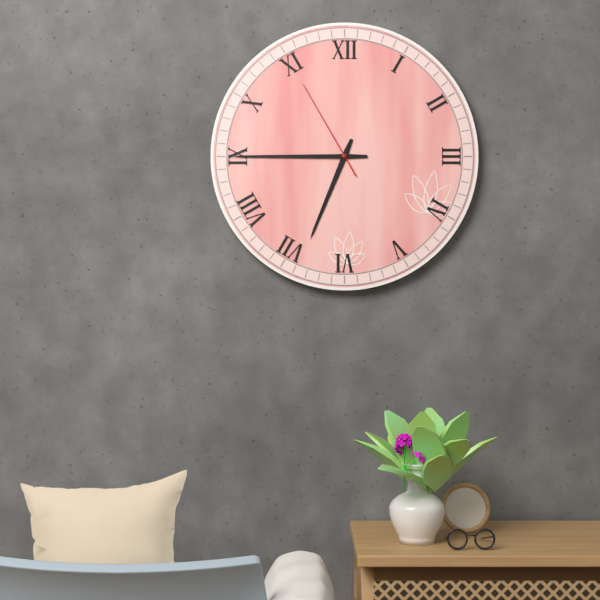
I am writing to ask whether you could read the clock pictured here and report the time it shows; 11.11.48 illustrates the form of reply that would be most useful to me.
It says 6.45.55
